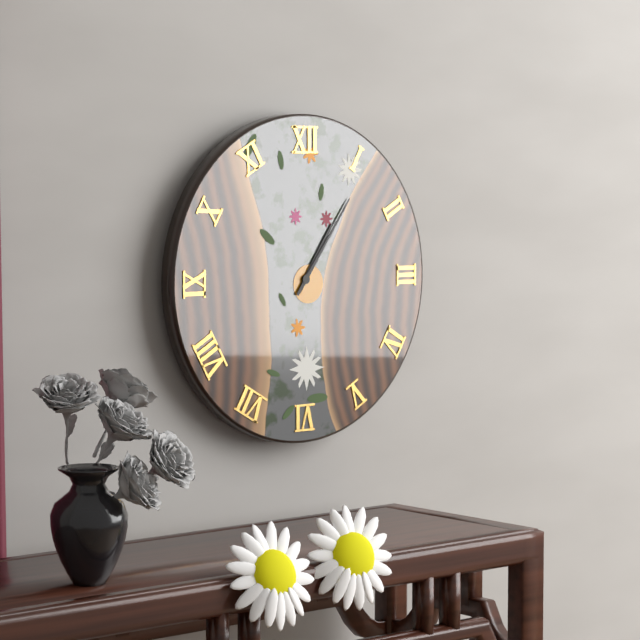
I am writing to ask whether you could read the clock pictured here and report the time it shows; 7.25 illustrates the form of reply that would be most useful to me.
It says 1.06
